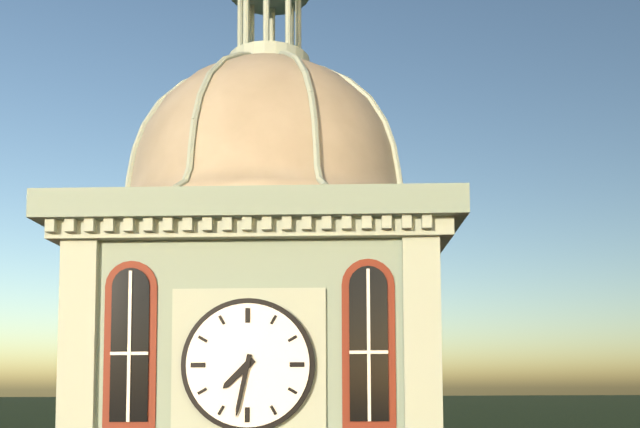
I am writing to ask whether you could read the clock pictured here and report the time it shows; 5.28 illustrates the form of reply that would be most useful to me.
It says 7.32
